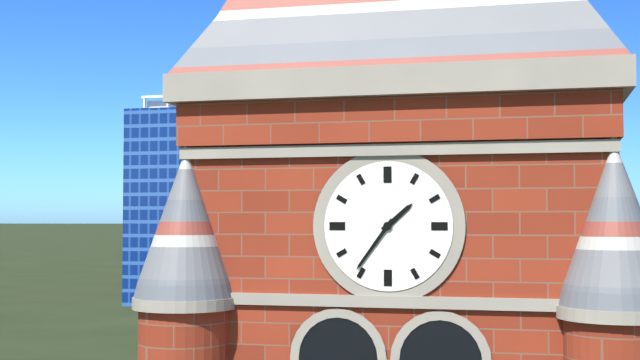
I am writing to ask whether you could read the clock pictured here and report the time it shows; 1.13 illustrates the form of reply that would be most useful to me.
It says 1.36
